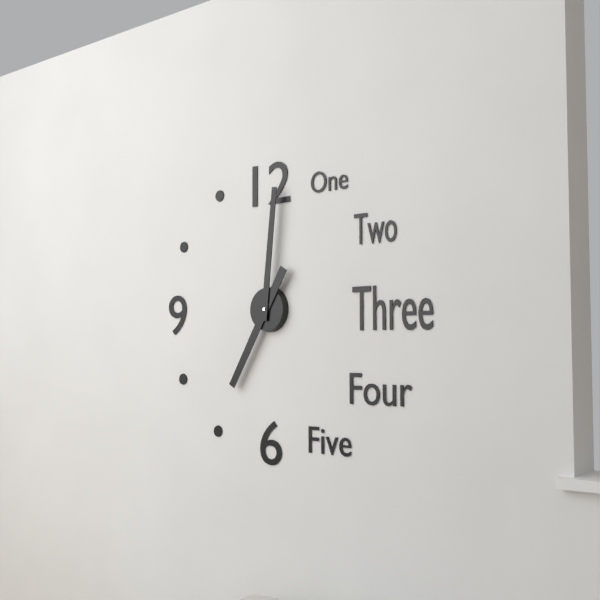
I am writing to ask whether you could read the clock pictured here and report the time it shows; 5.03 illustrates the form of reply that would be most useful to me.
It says 7.01
